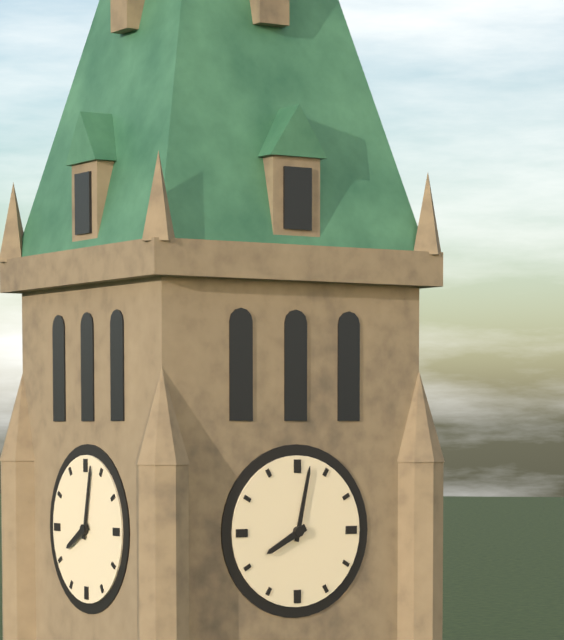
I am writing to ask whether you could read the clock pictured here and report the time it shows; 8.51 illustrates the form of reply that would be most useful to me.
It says 8.02
